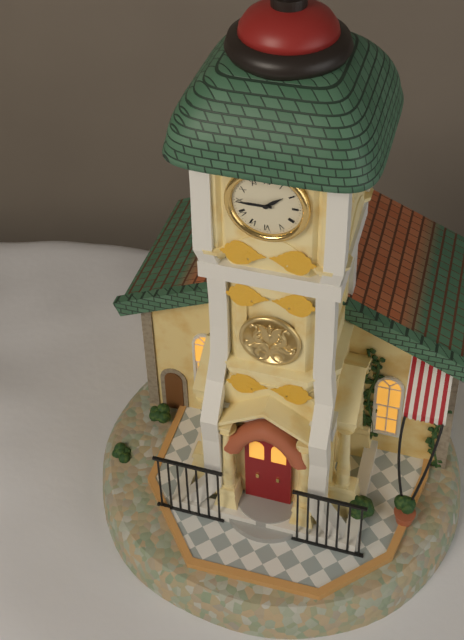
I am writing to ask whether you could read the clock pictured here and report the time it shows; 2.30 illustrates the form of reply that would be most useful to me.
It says 1.45
